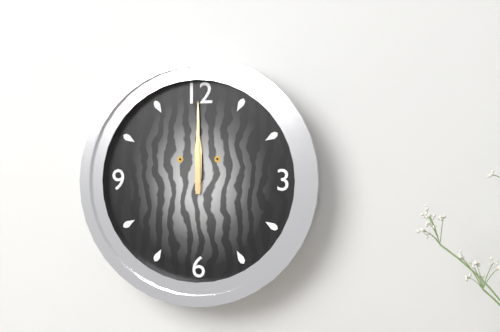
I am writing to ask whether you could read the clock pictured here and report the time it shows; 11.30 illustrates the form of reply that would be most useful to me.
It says 12.00
